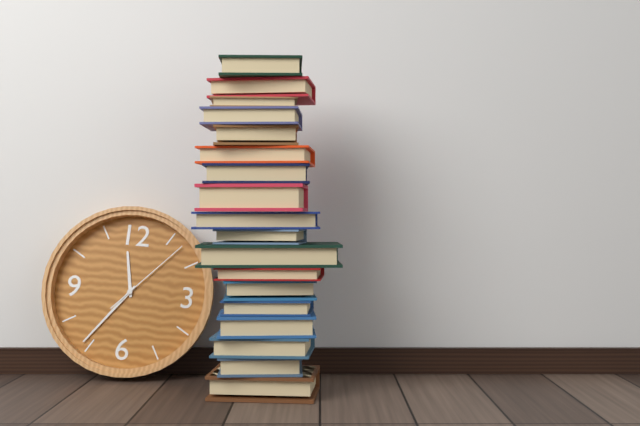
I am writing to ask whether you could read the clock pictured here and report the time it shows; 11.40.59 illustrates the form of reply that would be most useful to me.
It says 11.36.07
